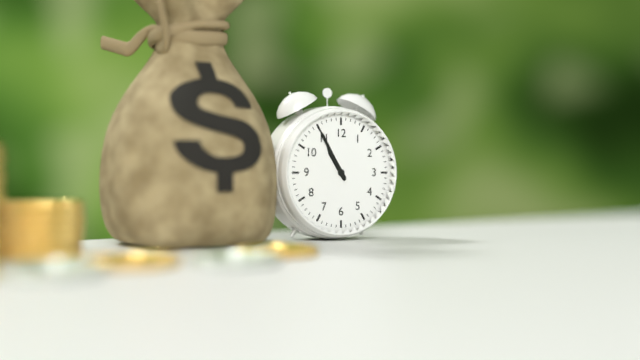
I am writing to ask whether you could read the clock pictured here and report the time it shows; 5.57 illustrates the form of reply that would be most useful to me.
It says 10.55
